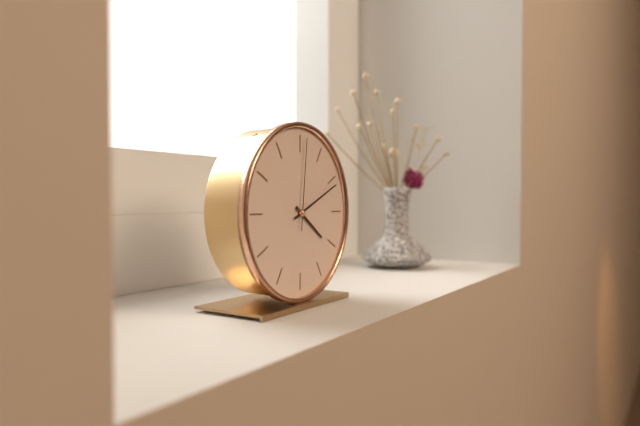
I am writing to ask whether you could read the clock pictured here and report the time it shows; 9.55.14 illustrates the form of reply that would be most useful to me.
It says 4.11.01
